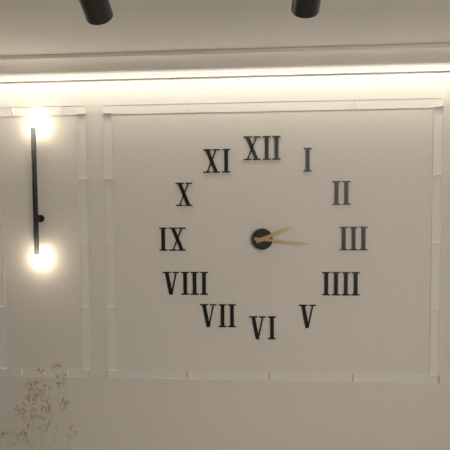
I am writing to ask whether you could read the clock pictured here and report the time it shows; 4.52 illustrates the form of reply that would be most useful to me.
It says 2.16
